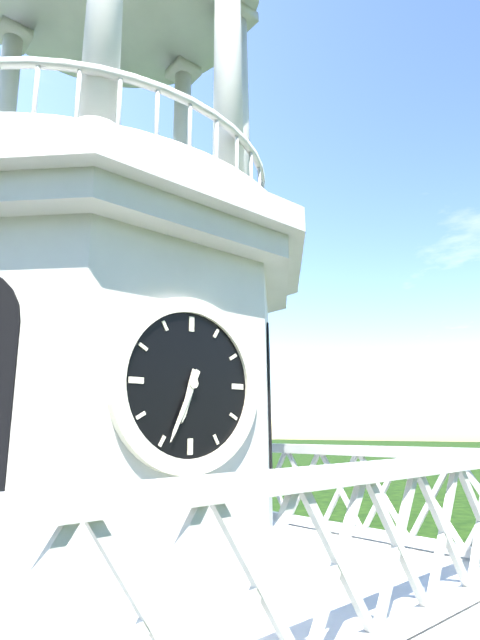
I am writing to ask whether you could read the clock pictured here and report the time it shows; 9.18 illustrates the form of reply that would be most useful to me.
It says 6.34
